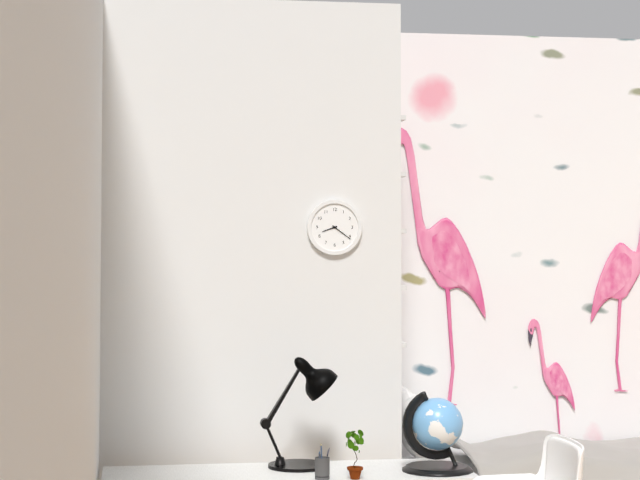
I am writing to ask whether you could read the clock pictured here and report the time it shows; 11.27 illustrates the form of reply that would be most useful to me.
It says 8.21
